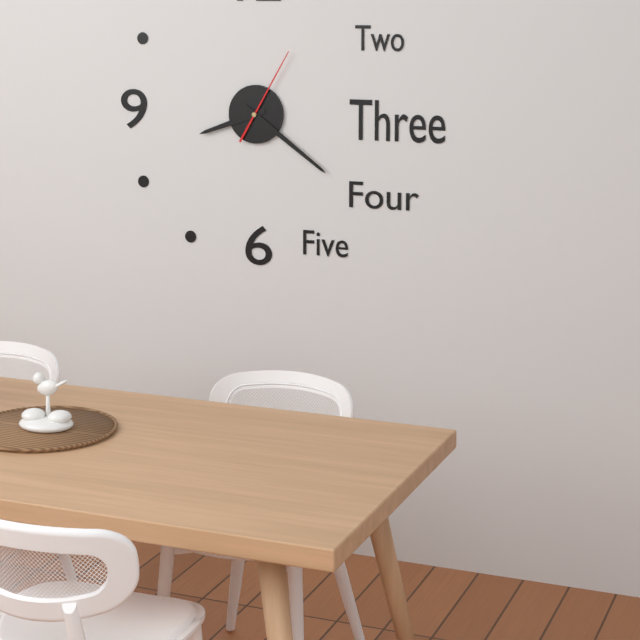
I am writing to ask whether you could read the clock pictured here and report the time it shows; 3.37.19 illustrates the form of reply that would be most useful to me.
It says 8.21.05
